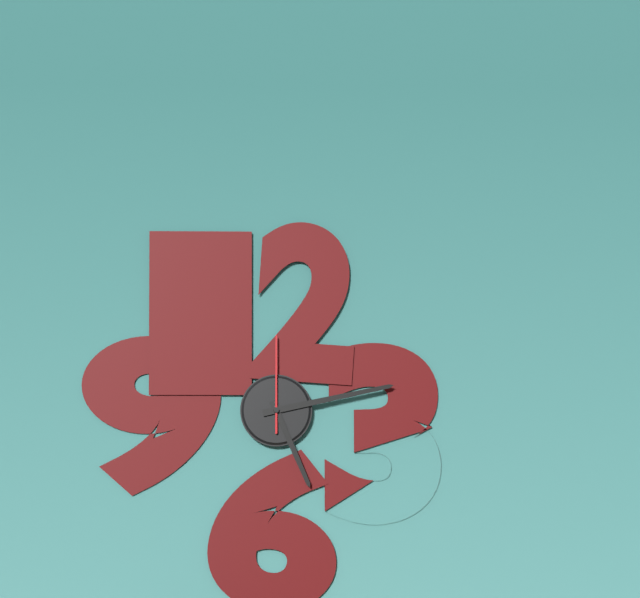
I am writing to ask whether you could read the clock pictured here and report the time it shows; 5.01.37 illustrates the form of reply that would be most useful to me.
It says 5.13.00
